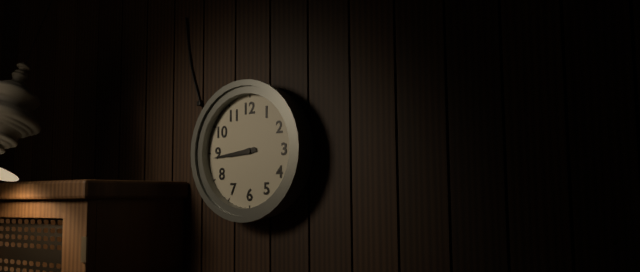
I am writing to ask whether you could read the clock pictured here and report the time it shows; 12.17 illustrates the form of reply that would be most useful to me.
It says 8.44
